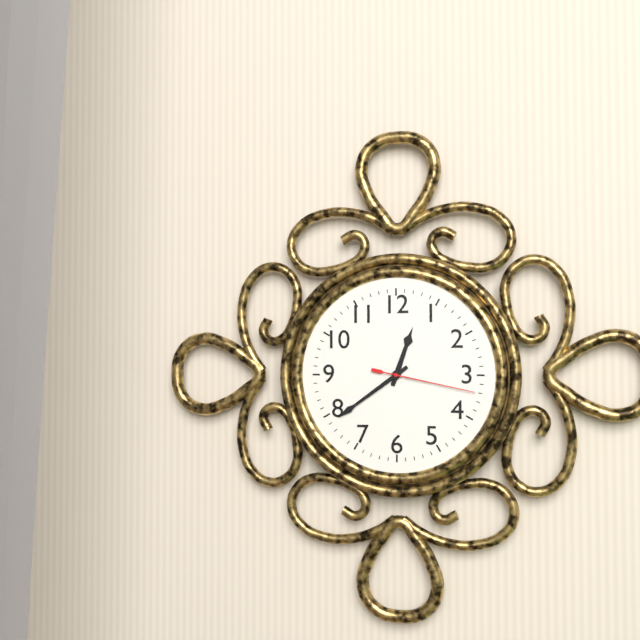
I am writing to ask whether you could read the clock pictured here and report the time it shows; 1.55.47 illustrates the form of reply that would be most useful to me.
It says 12.39.17
